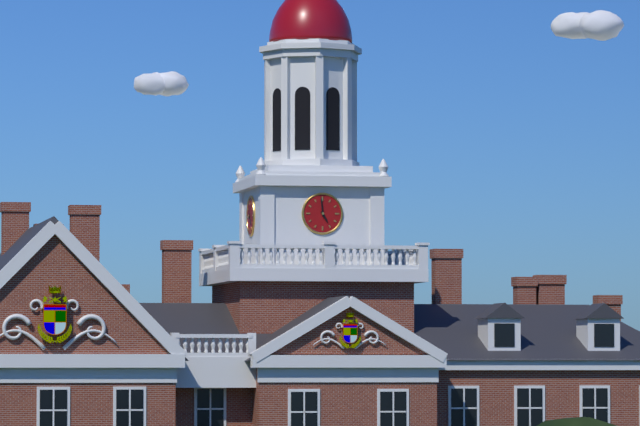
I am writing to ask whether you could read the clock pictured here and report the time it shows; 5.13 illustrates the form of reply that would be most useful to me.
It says 4.59
